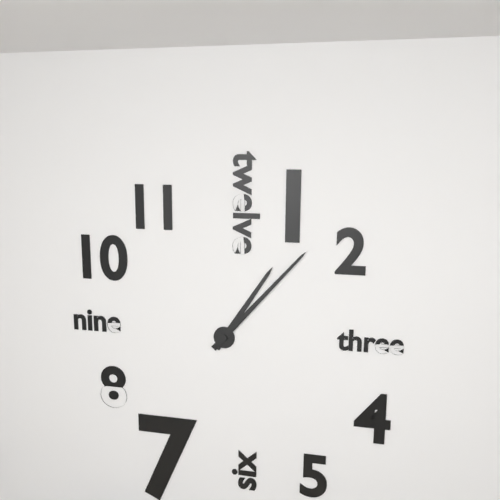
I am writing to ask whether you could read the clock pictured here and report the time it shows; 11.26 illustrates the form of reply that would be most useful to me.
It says 1.07
